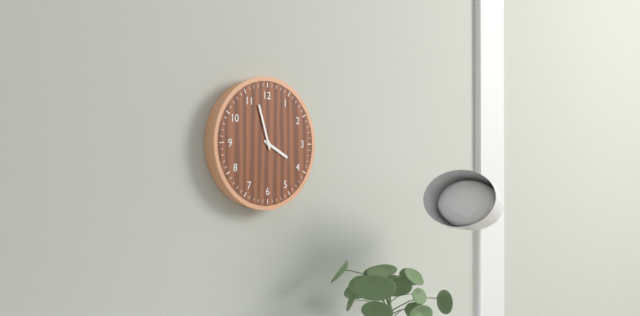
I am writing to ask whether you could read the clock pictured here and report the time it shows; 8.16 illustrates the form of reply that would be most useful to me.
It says 3.57
